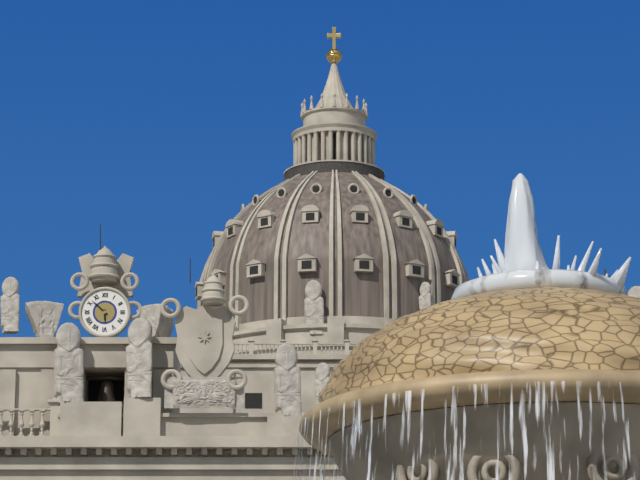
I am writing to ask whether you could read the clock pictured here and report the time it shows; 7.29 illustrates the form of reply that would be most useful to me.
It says 5.52
